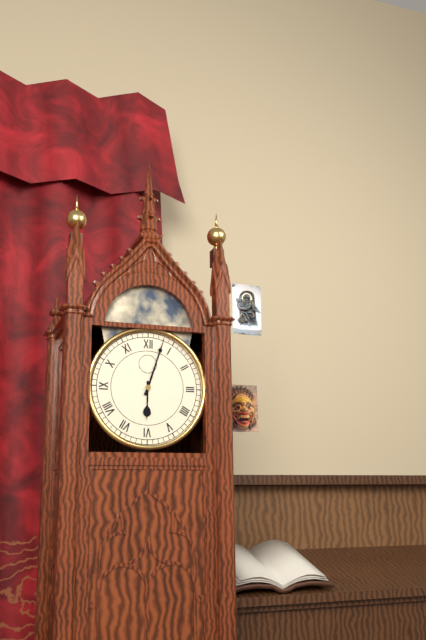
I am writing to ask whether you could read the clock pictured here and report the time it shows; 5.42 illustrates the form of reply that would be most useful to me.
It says 6.03
